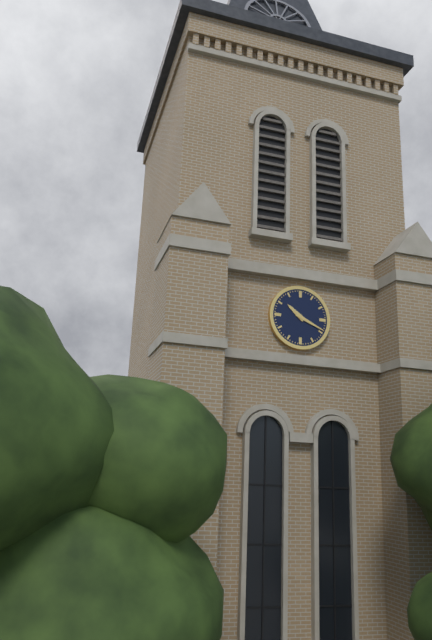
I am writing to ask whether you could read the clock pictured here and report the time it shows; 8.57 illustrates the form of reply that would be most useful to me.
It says 10.19
